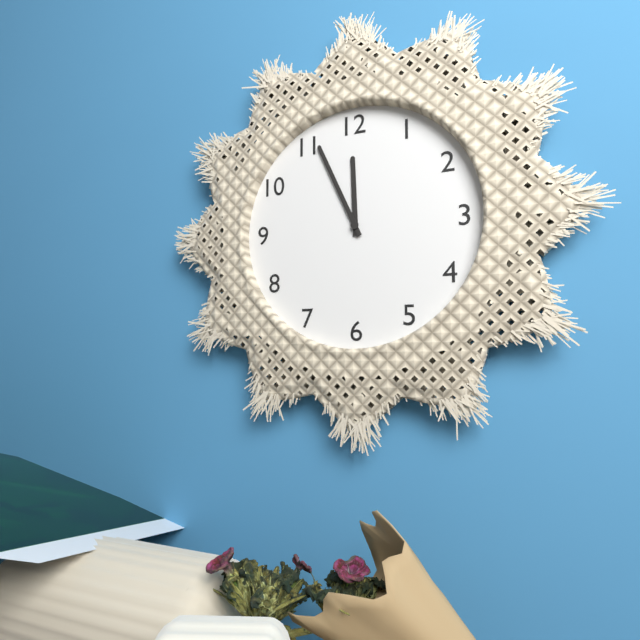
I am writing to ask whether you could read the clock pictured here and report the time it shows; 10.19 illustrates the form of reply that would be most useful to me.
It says 11.56
